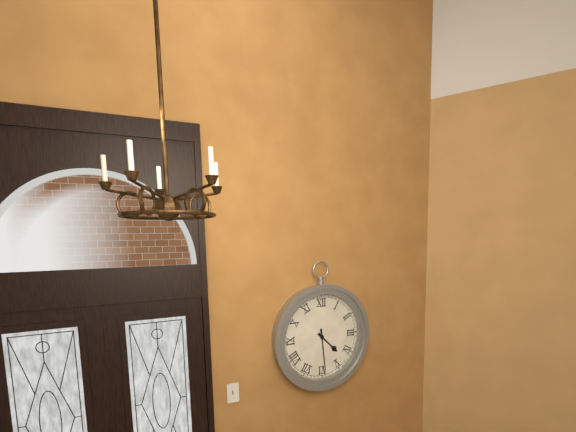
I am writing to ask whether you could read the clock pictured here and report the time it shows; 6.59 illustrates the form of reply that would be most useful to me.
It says 4.29
